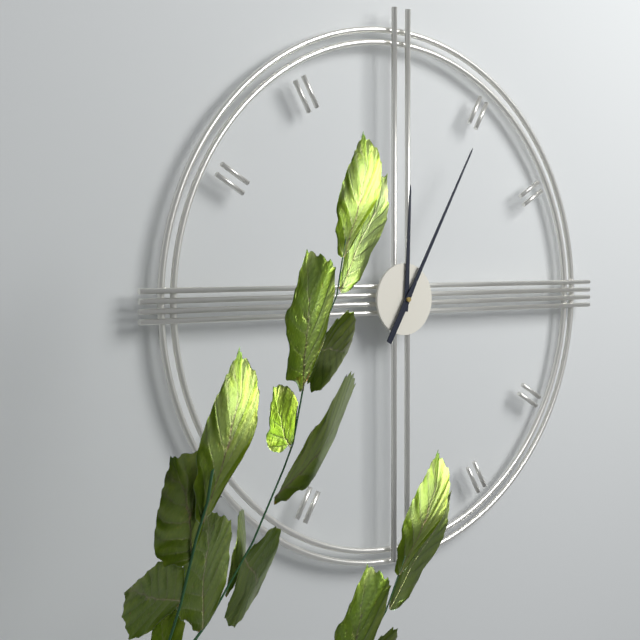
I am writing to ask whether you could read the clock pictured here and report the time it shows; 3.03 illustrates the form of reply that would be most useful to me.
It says 12.05
